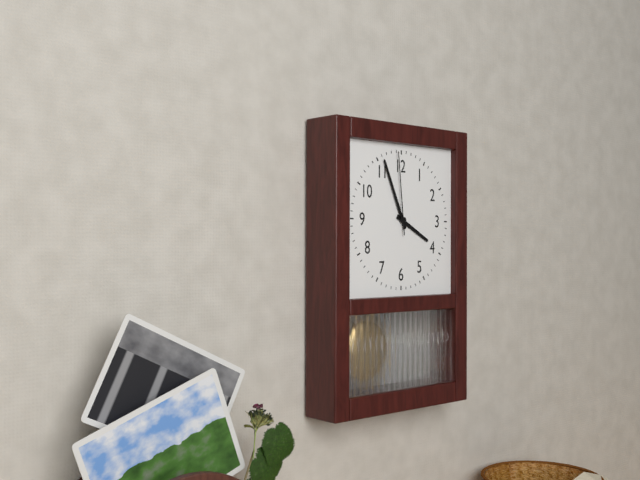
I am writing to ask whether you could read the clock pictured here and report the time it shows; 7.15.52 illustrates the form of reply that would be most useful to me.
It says 3.56.59
